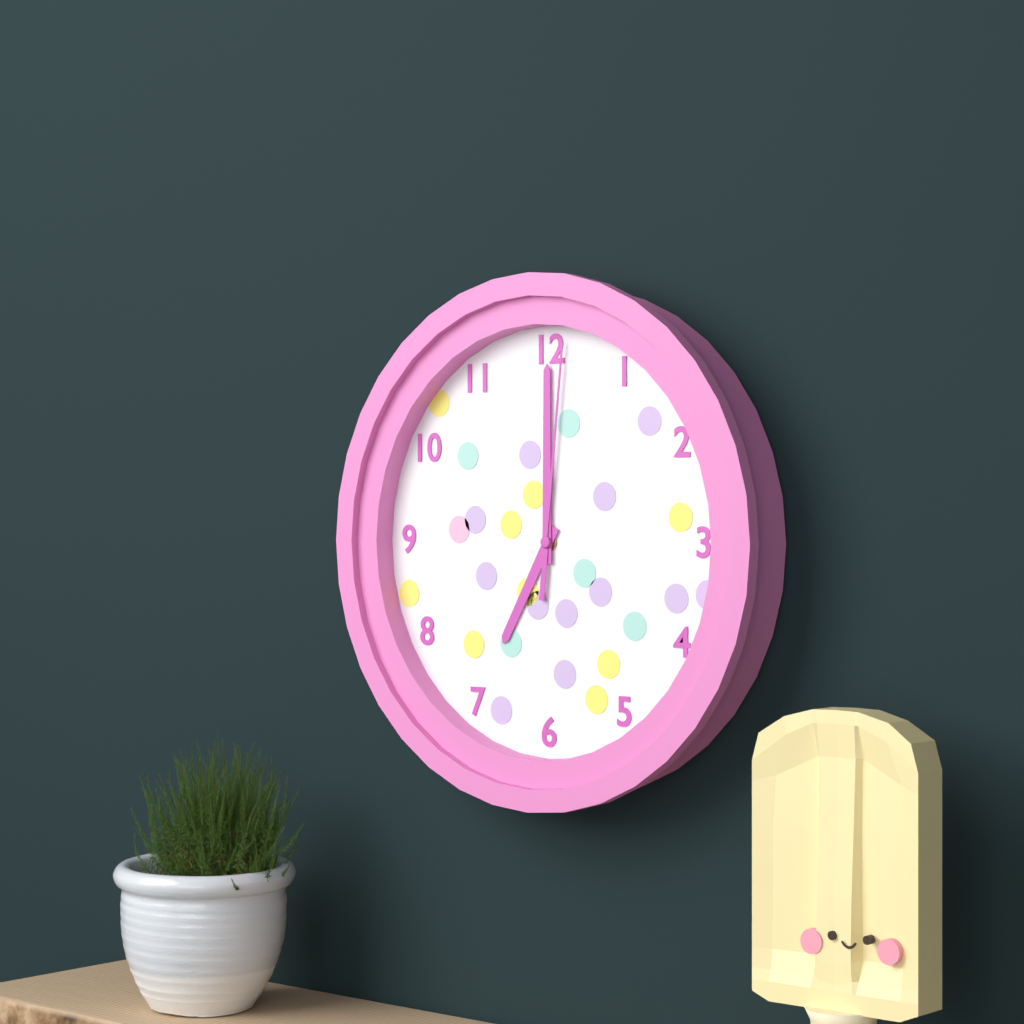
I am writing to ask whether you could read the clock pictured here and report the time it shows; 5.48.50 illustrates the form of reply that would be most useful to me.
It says 7.00.01
